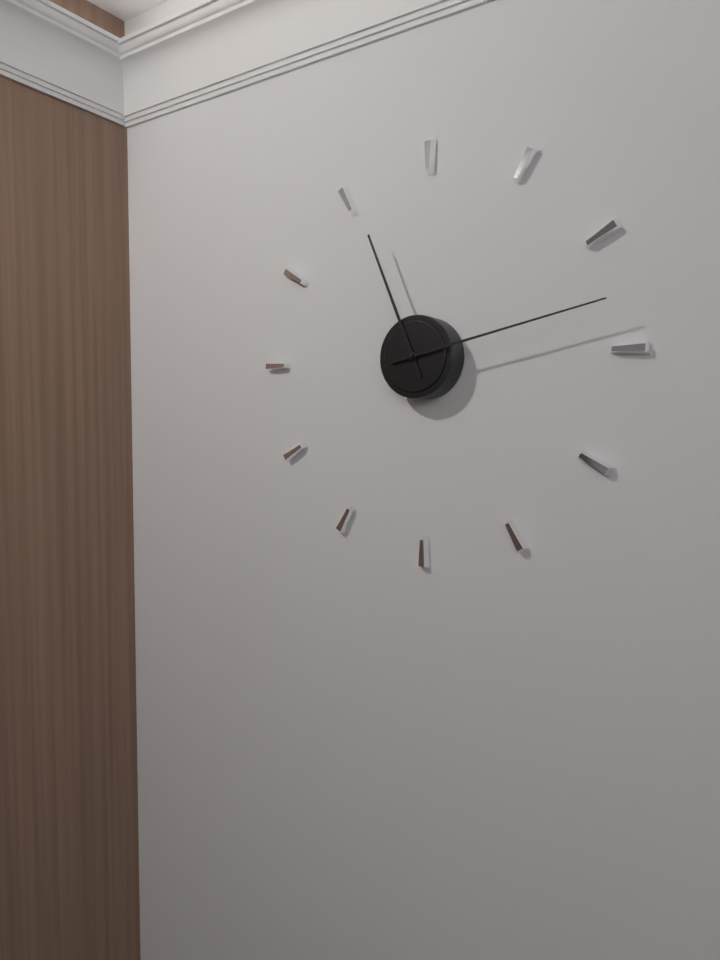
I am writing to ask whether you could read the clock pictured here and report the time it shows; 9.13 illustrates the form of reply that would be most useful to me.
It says 11.13
